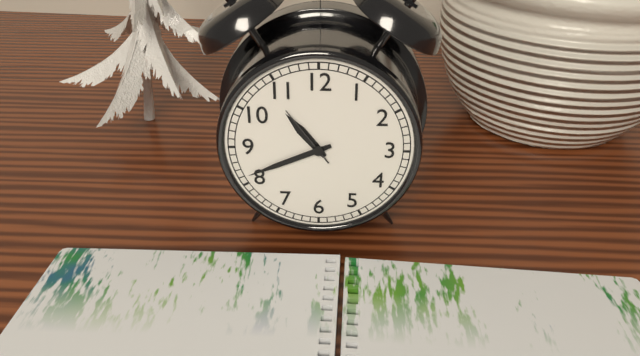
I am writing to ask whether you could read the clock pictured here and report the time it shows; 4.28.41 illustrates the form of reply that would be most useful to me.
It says 10.41.54
